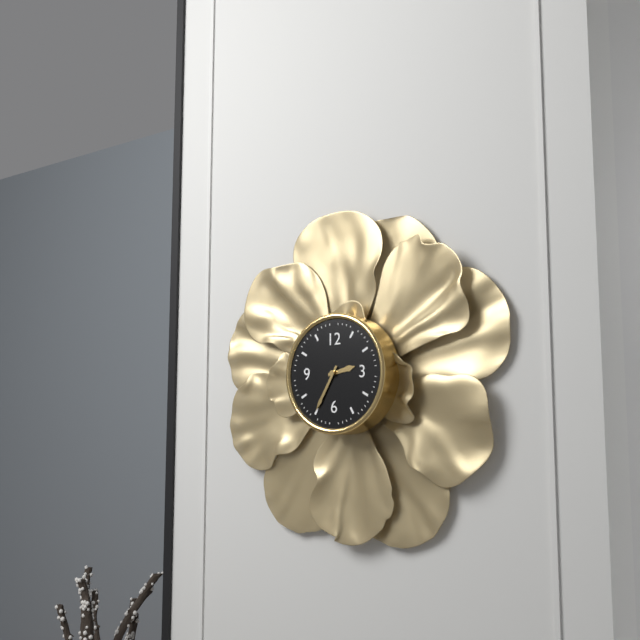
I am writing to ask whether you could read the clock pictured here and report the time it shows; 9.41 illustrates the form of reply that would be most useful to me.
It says 2.35
